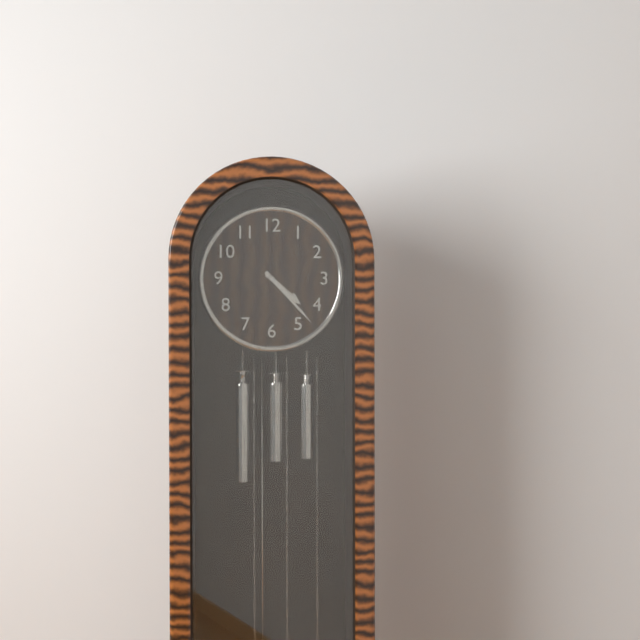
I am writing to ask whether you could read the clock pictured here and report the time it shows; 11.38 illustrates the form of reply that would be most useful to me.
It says 4.23
